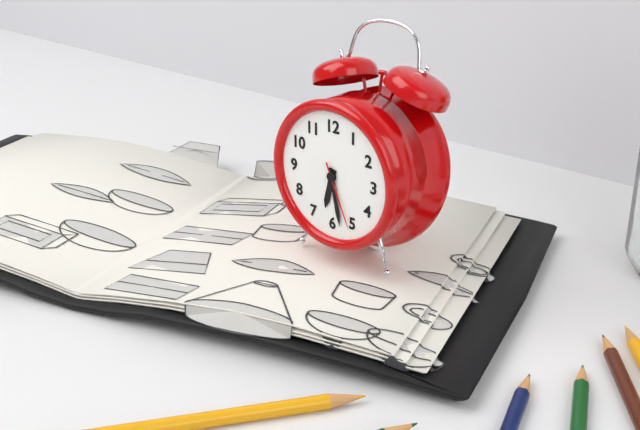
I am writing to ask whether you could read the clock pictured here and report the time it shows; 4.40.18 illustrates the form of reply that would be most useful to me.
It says 6.28.26
